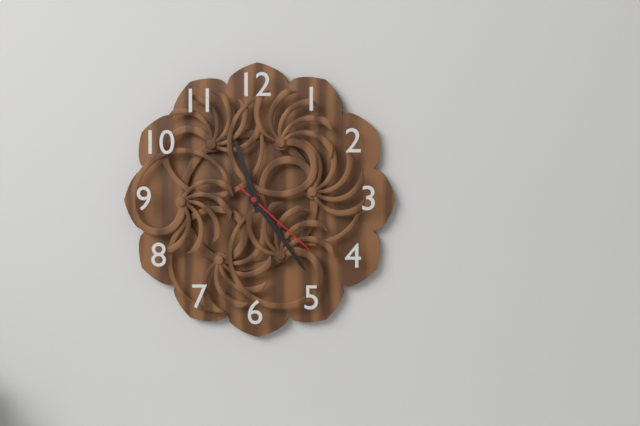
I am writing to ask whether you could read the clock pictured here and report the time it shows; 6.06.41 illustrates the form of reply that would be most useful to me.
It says 11.24.22
